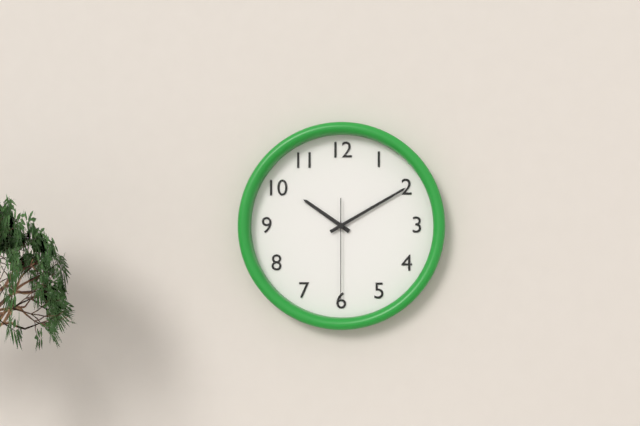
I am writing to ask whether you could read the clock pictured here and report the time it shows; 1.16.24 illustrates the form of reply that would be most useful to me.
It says 10.10.30
